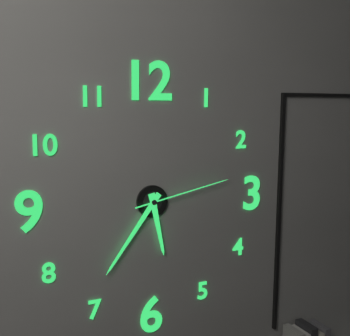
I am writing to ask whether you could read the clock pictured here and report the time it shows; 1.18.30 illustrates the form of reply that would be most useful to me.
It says 5.36.13
